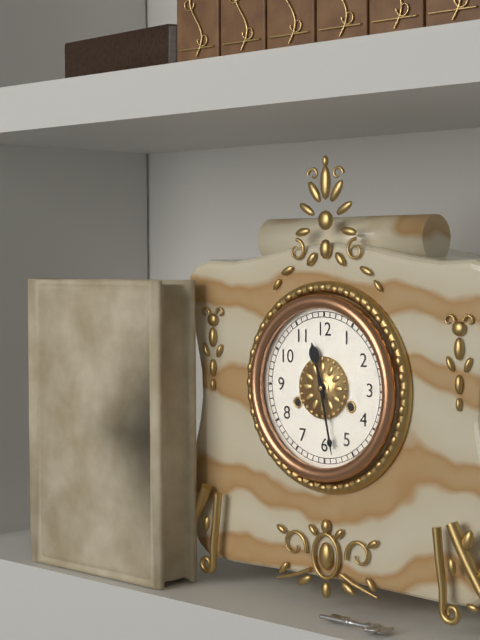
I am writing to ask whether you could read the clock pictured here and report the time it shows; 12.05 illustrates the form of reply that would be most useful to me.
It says 11.28
